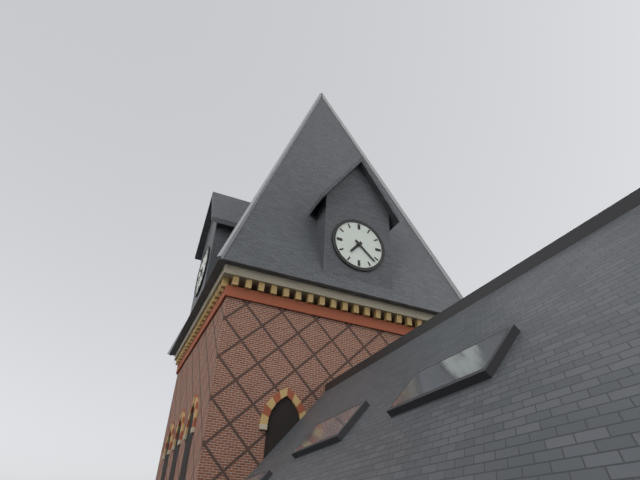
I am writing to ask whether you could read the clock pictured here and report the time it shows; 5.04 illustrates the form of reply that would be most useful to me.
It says 7.22
